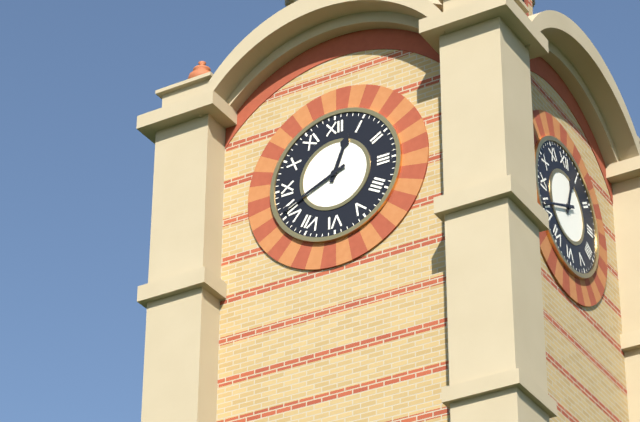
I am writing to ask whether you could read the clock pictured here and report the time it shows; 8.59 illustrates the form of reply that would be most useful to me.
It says 12.41
